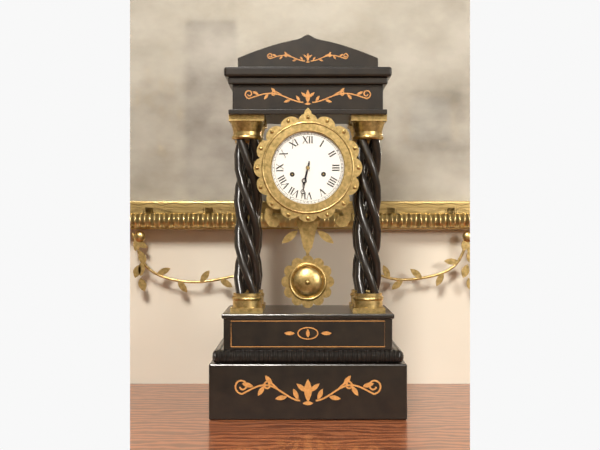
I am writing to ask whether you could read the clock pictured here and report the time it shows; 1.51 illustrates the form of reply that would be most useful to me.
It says 6.32
